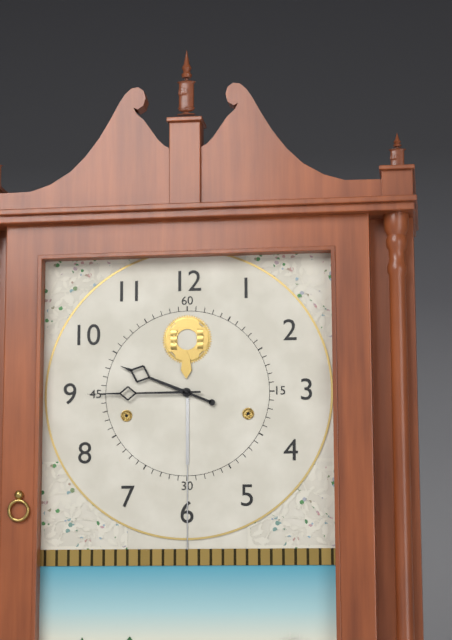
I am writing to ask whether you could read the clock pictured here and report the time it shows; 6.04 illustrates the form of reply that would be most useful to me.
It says 9.45
